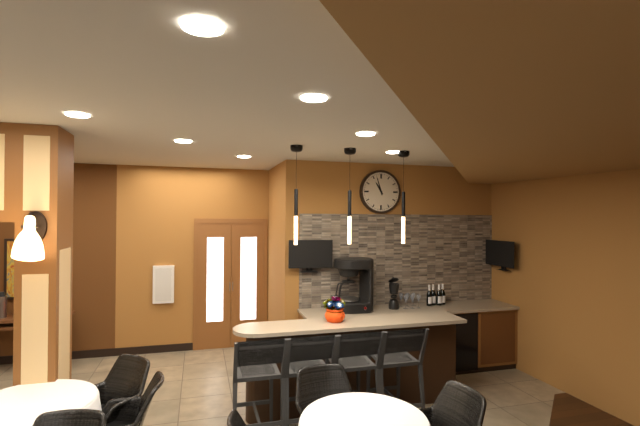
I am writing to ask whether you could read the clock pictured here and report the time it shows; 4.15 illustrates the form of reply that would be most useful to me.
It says 10.57
